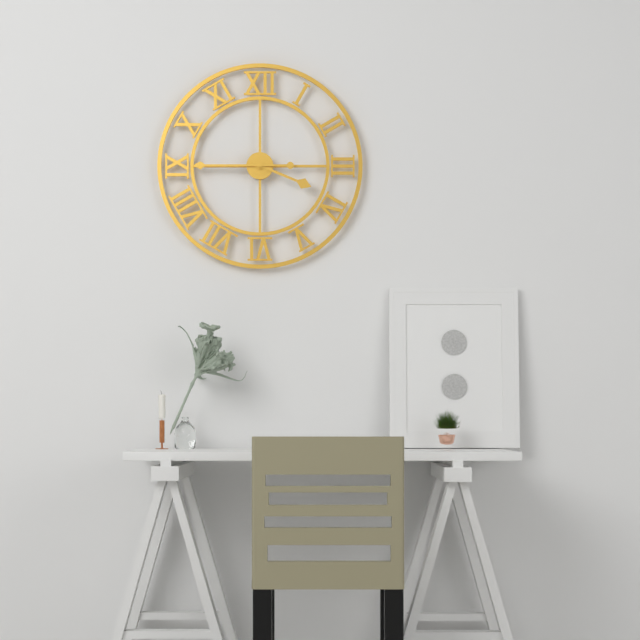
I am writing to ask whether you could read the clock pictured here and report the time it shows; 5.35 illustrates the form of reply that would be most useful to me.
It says 3.45
